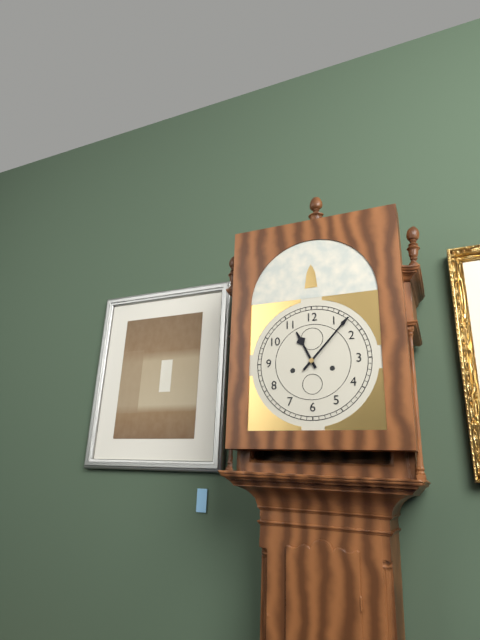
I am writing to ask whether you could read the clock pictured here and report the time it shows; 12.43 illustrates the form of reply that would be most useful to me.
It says 11.07
